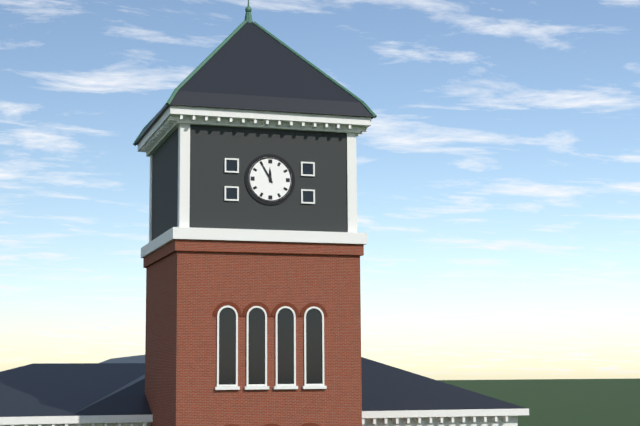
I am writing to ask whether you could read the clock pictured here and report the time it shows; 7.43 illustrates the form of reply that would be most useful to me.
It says 11.55
